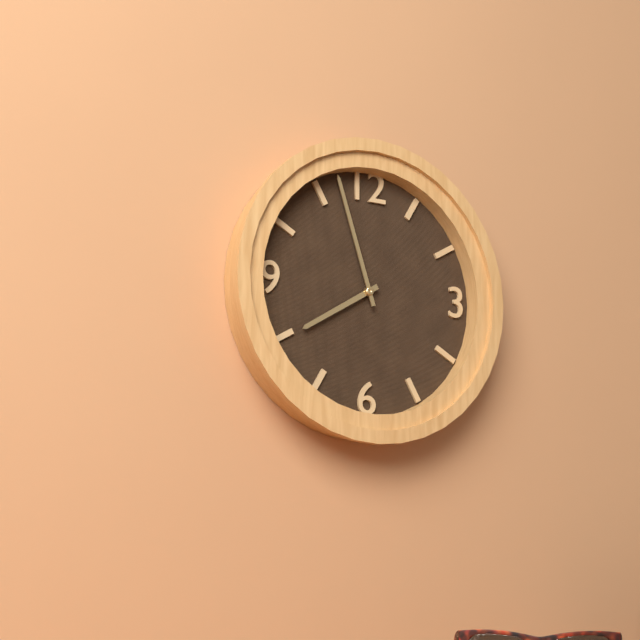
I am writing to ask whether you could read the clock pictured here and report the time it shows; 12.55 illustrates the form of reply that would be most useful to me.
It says 7.57
